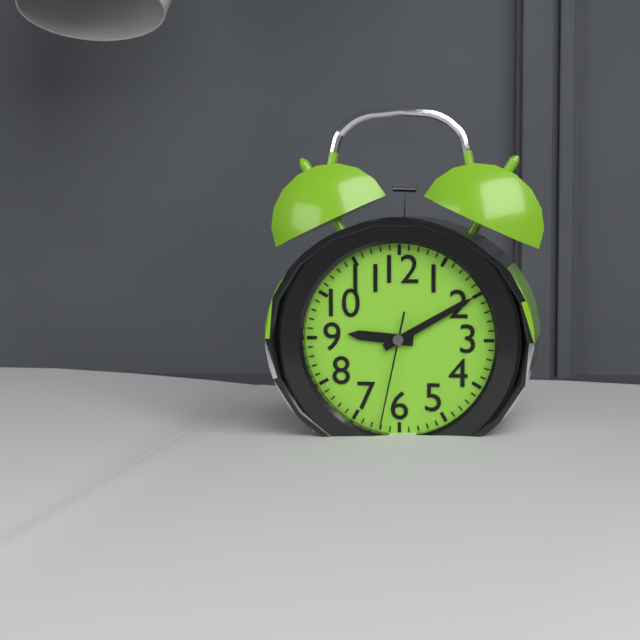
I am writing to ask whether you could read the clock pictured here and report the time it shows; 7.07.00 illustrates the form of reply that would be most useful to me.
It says 9.10.32
